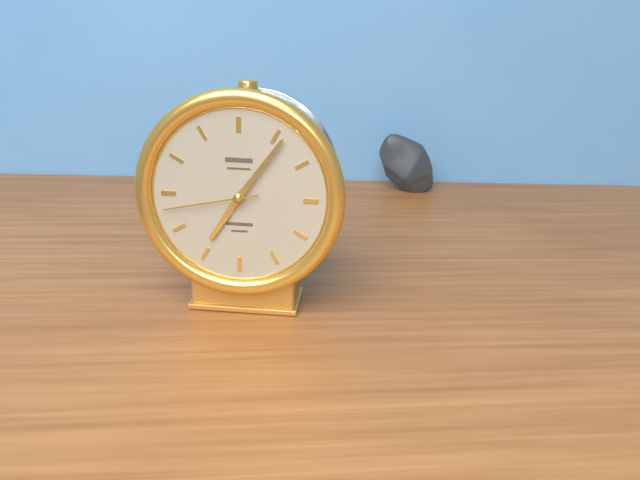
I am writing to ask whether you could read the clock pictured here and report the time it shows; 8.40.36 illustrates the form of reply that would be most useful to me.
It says 7.06.43
